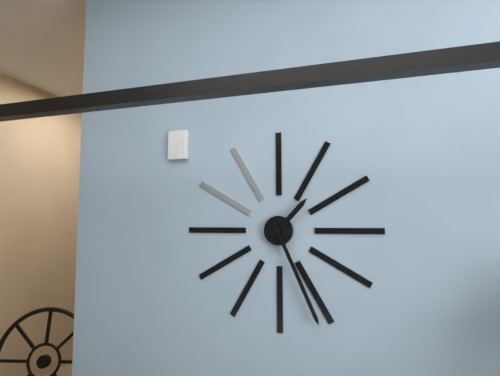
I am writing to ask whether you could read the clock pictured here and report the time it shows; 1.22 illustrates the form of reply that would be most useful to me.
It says 1.26
